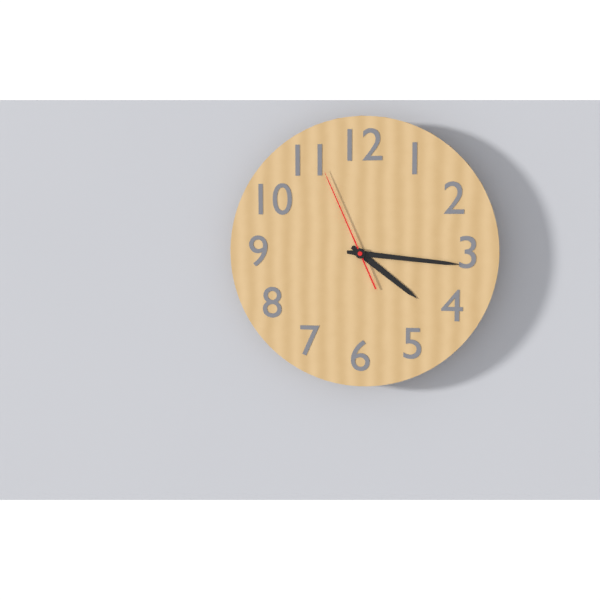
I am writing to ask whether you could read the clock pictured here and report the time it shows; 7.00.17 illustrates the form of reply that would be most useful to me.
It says 4.16.56
